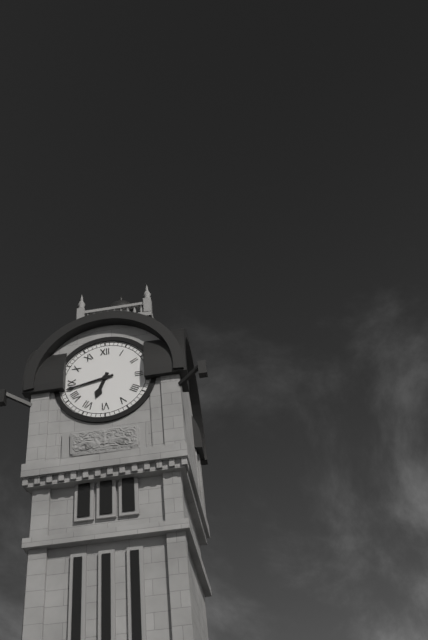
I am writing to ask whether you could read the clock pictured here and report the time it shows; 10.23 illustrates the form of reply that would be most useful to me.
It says 6.43
